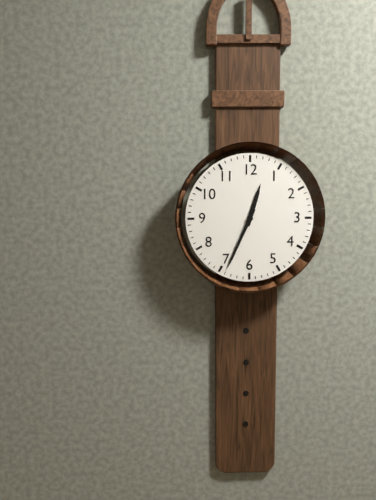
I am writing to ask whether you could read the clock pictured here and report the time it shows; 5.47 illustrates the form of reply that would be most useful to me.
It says 12.34
